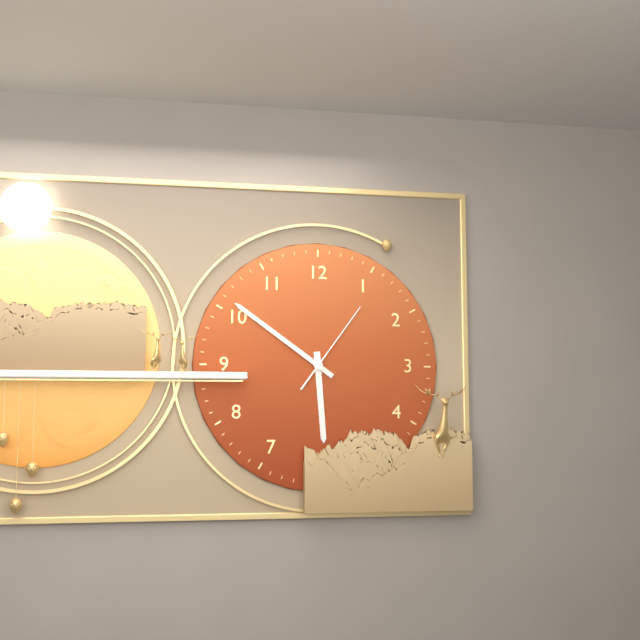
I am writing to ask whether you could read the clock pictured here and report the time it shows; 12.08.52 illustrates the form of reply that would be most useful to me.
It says 5.51.06
